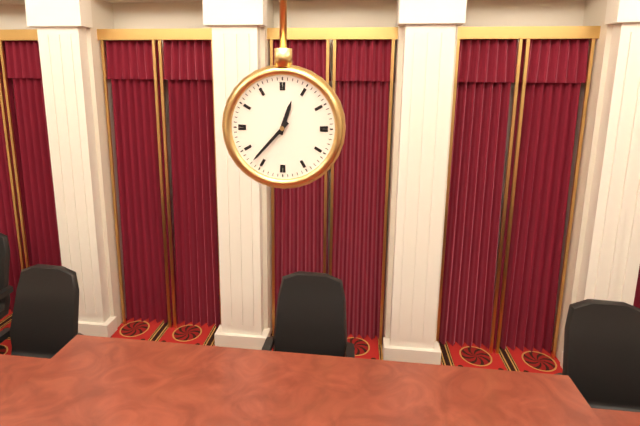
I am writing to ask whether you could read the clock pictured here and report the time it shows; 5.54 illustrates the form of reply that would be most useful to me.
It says 12.37
